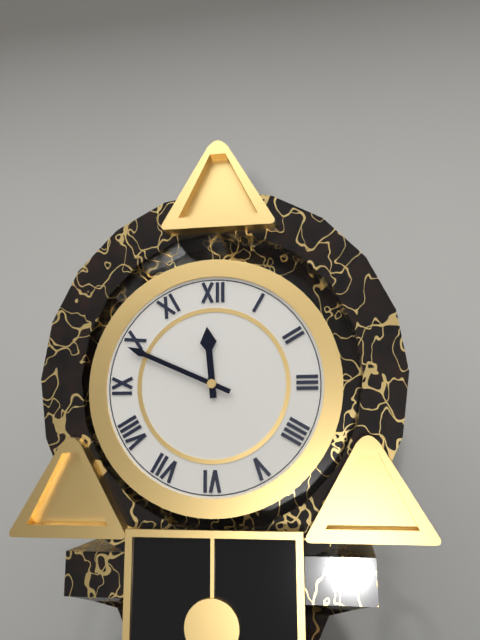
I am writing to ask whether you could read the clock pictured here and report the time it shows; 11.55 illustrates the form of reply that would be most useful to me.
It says 11.49
